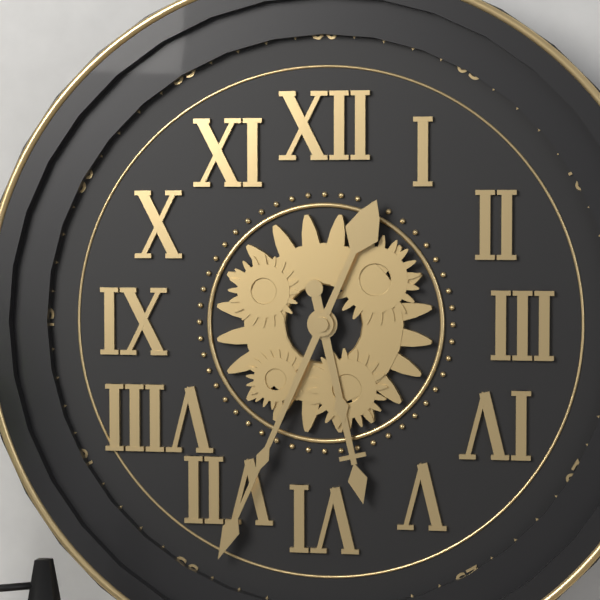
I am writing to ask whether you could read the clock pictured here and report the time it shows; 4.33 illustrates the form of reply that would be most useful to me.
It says 5.34
